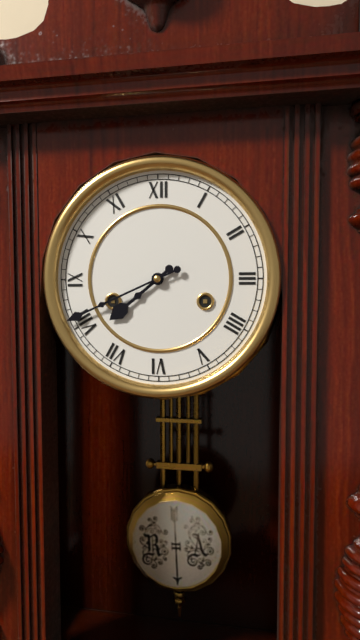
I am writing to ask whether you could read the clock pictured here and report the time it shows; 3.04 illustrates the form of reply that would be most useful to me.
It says 7.41
